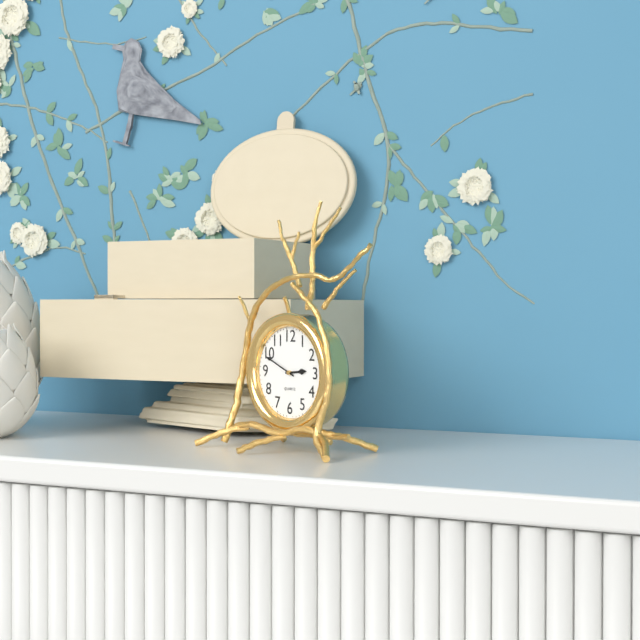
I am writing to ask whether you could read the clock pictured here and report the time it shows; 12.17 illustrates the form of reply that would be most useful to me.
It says 2.49
